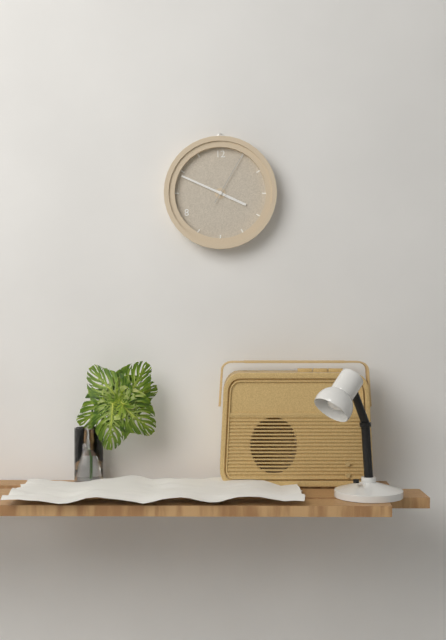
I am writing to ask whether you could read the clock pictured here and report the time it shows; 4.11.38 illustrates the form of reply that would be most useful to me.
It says 3.49.05
